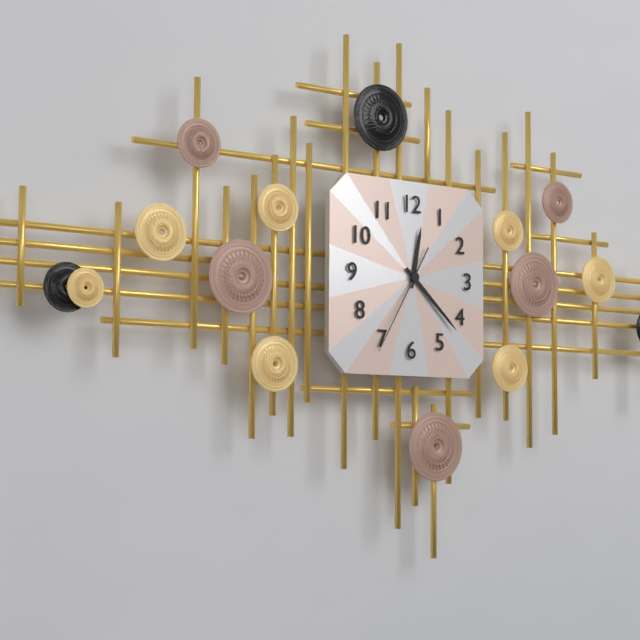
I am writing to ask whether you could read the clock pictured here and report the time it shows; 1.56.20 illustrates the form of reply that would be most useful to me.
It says 12.22.35
